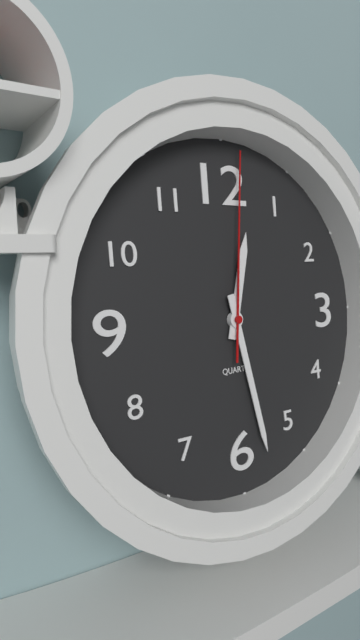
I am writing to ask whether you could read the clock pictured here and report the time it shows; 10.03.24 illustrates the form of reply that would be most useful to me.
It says 12.28.01
